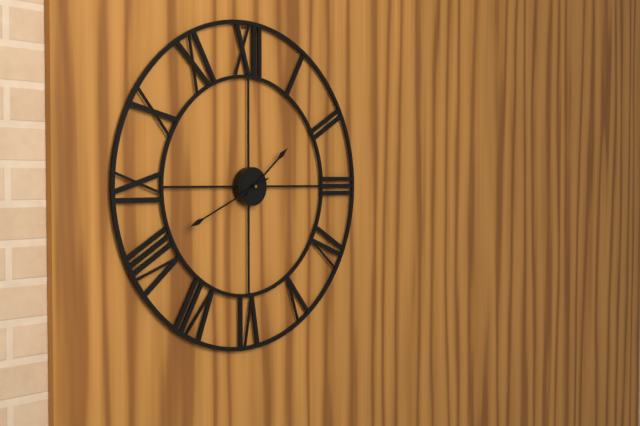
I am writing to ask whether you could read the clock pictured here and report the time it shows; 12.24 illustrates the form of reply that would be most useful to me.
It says 1.41
